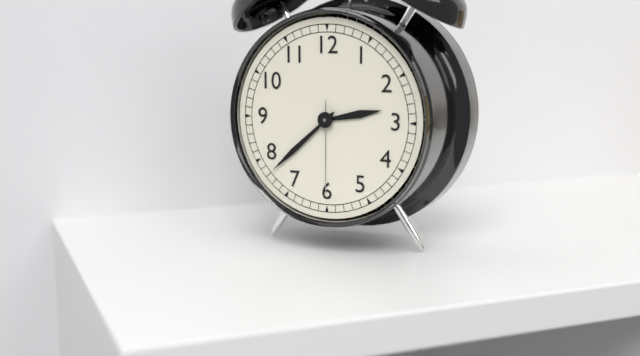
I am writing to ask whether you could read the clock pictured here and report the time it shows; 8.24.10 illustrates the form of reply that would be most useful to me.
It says 2.38.30
